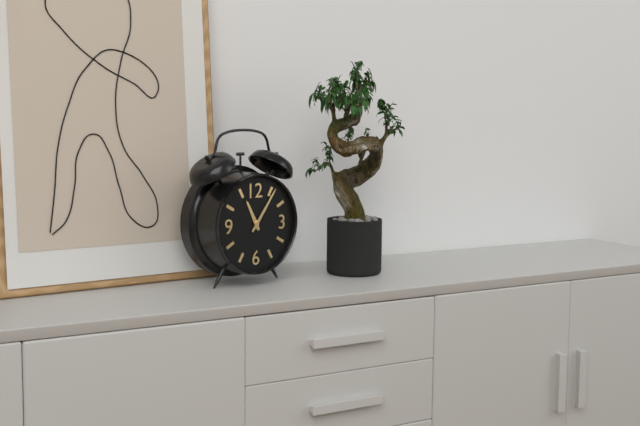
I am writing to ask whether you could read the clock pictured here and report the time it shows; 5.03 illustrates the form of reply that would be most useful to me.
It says 11.06
